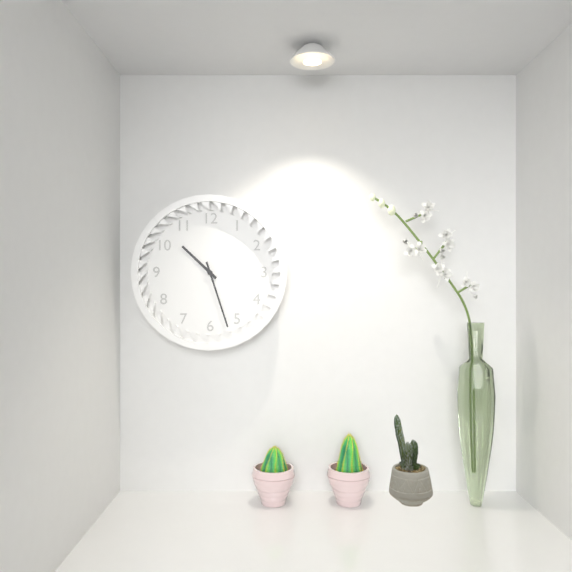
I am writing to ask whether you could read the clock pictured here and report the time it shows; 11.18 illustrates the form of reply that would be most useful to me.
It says 10.27
